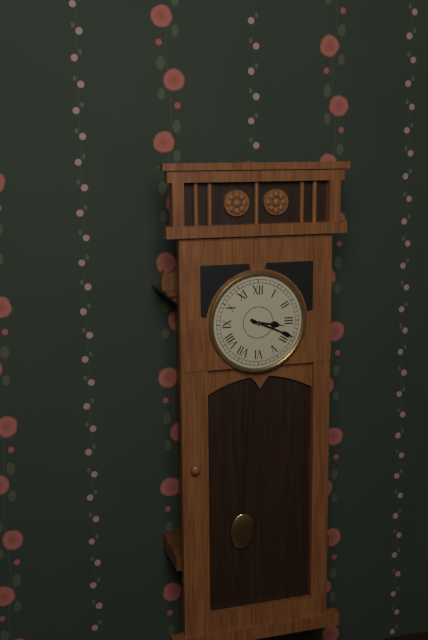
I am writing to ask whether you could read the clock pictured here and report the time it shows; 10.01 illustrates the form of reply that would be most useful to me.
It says 3.19
